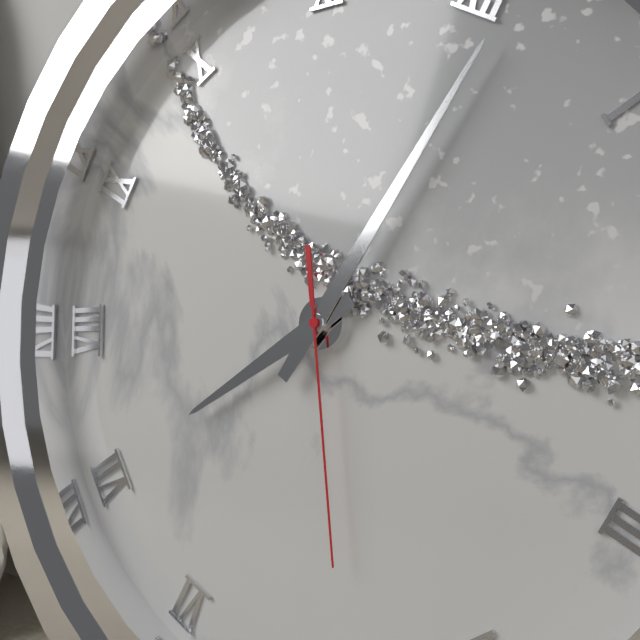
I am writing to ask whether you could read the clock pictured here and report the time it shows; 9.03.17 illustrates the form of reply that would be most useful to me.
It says 7.01.24
